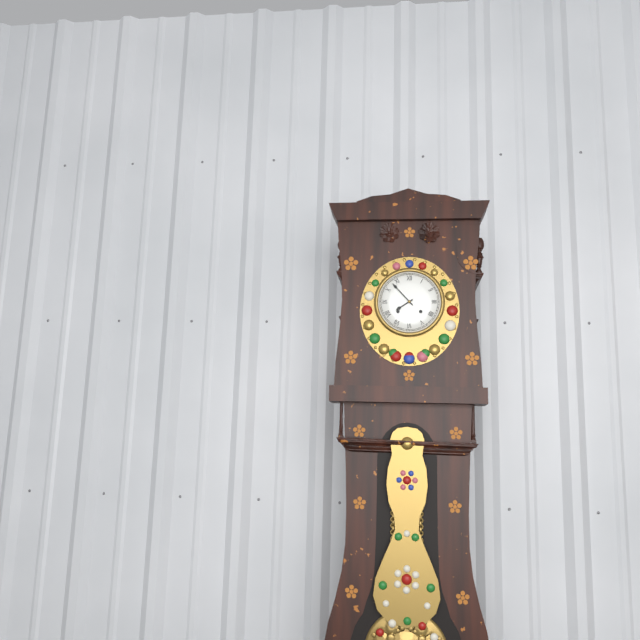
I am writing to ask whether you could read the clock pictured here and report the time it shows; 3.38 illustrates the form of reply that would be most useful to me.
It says 7.53
